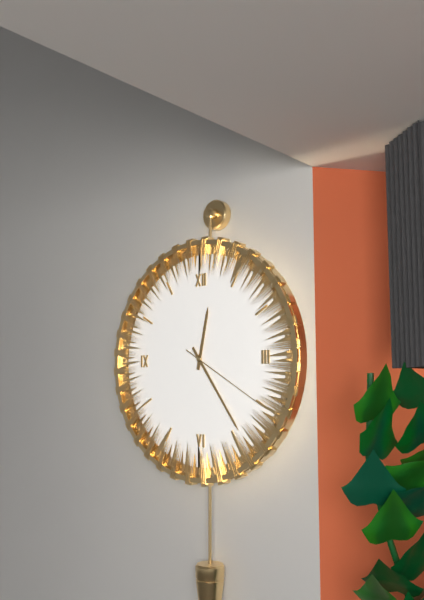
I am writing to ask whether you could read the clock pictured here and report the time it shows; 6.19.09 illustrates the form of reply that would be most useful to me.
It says 12.24.20
